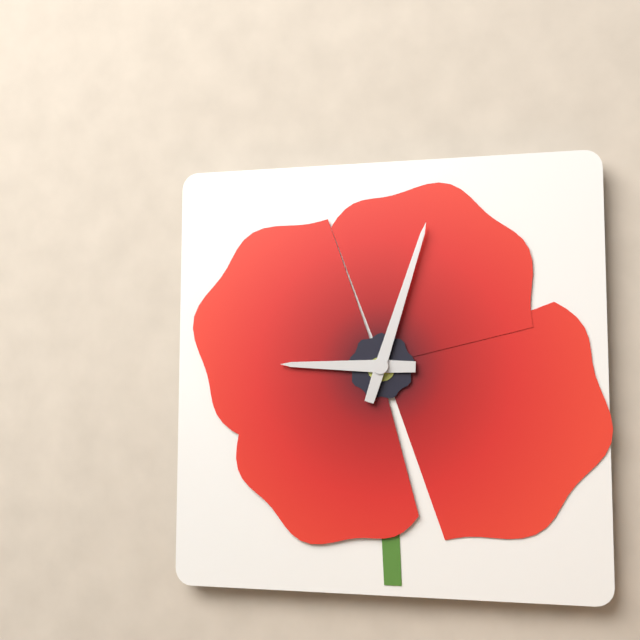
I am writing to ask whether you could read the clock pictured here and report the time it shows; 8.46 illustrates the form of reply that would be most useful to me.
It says 9.03
